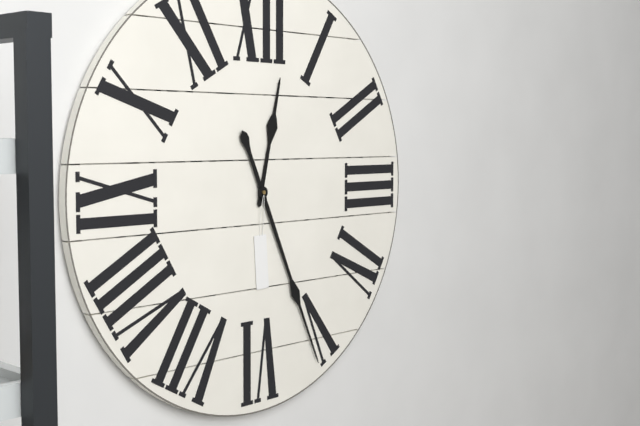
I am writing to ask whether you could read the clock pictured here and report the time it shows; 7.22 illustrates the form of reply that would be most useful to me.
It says 12.26
